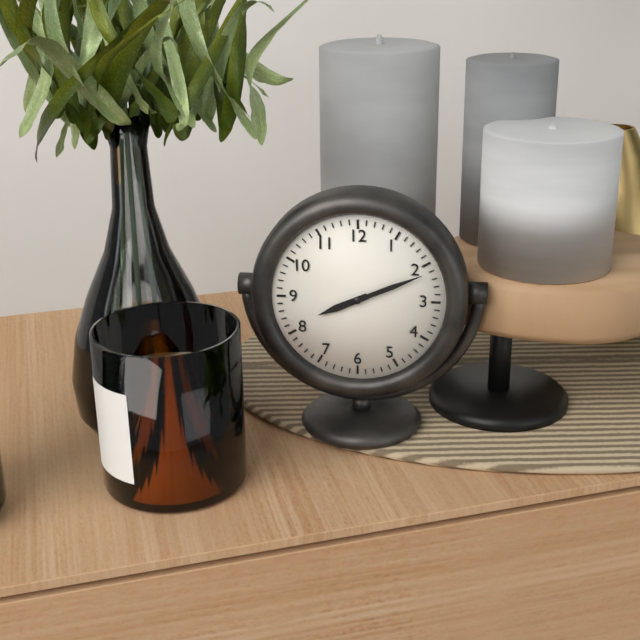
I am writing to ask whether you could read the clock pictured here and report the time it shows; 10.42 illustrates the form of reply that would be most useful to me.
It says 8.11
